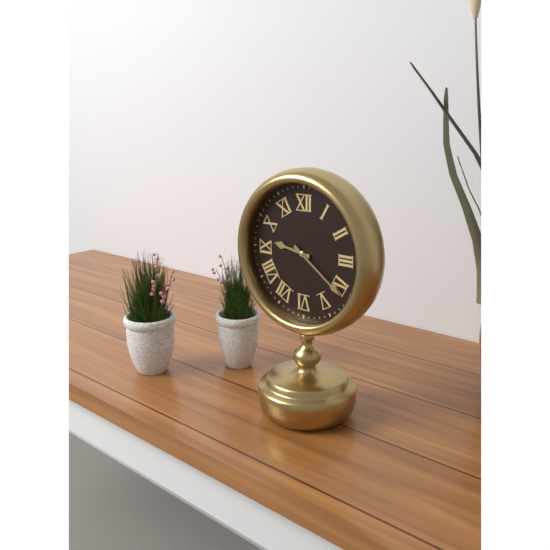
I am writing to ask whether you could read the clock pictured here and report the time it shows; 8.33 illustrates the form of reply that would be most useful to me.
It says 9.21
